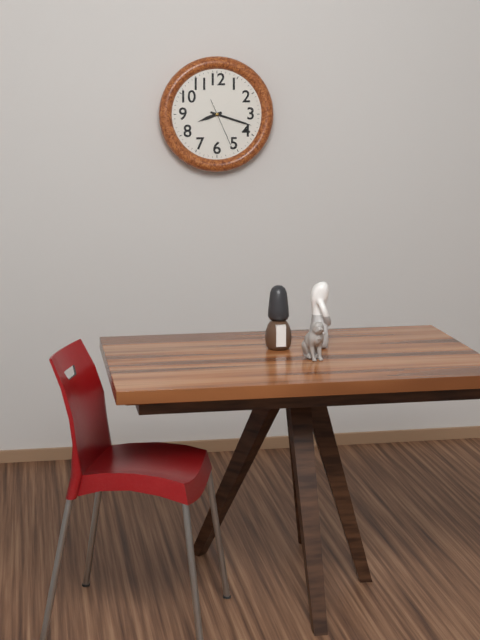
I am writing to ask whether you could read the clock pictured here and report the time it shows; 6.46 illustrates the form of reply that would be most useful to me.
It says 8.18
